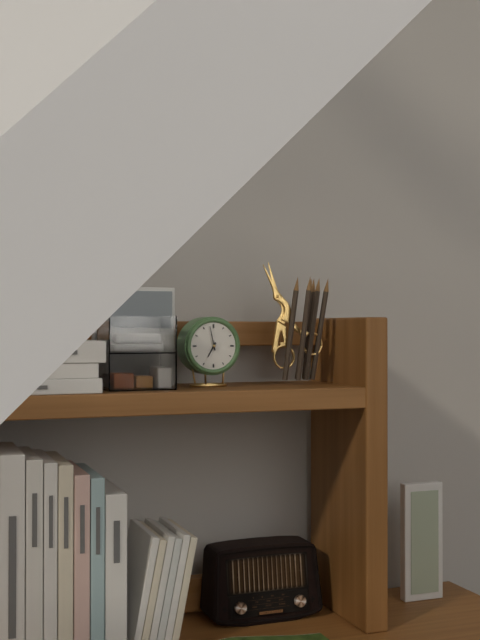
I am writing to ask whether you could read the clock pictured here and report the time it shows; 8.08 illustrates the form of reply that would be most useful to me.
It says 6.58
